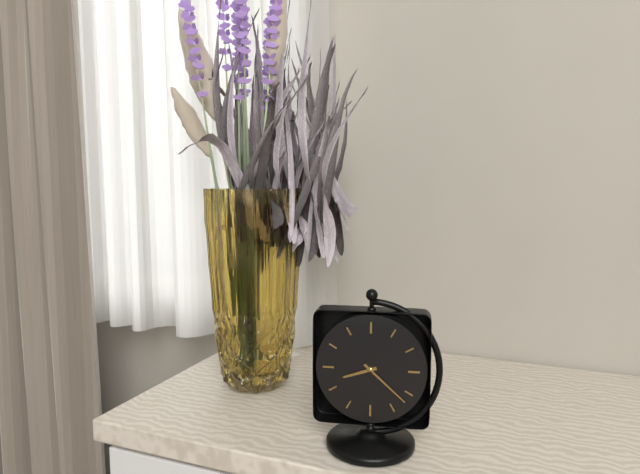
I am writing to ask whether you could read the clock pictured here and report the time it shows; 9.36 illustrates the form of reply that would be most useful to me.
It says 8.22
